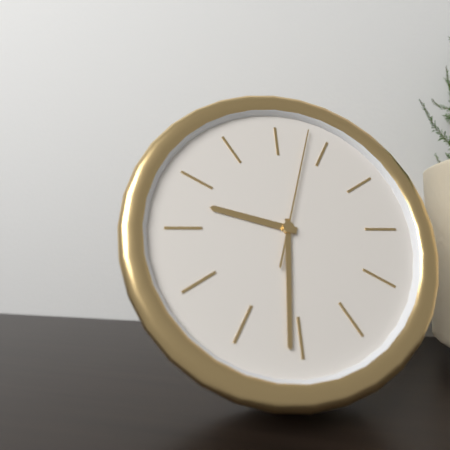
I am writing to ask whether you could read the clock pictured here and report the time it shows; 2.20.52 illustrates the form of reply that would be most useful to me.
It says 9.31.03
